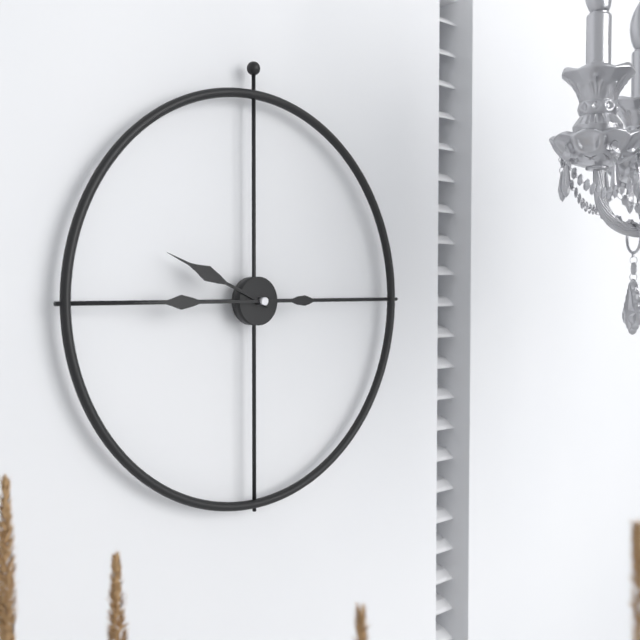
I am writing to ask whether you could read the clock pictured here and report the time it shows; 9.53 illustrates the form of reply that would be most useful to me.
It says 9.45
